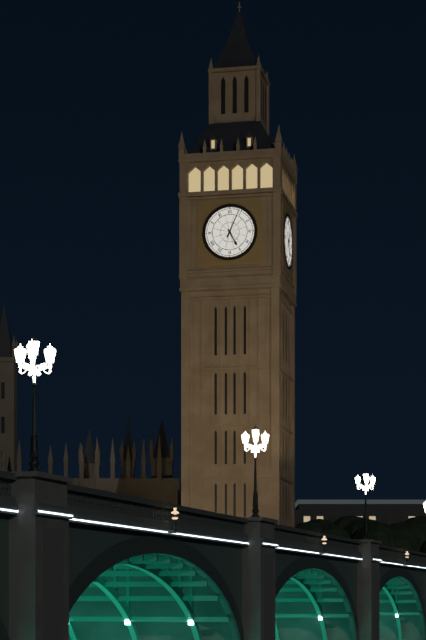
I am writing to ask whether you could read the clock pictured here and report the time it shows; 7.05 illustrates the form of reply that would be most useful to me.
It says 5.04
